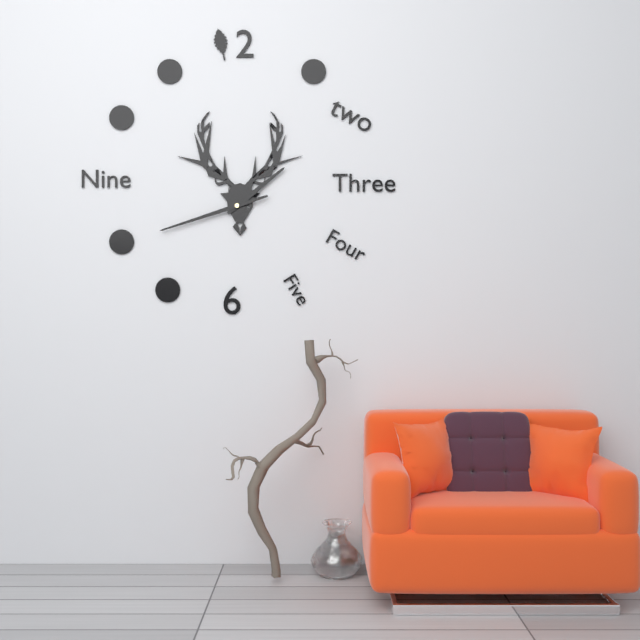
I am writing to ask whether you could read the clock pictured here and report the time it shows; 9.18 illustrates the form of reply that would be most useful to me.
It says 1.42
